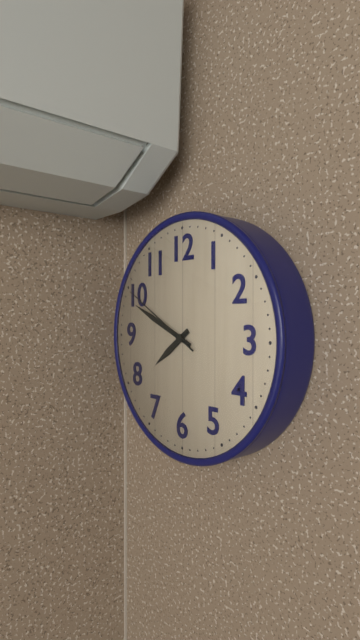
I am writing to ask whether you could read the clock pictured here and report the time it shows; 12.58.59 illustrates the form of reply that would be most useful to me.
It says 7.49.50
